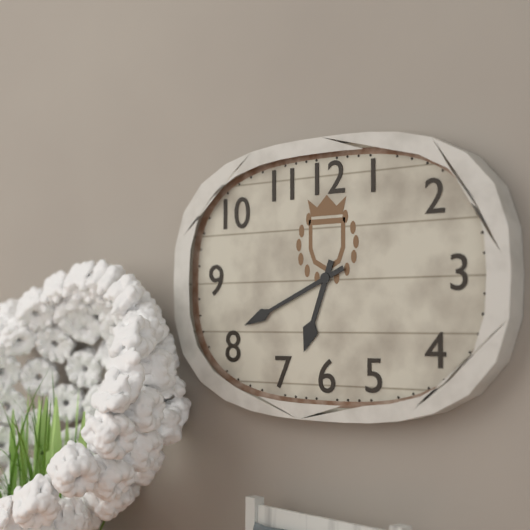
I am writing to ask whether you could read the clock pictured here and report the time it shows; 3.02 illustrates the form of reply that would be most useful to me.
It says 6.41
